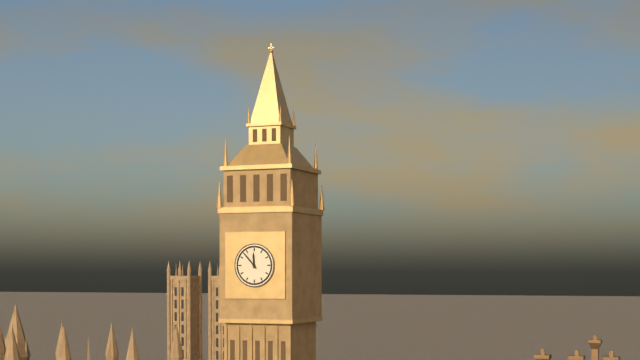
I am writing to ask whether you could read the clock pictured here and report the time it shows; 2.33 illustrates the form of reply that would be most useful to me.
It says 11.53
